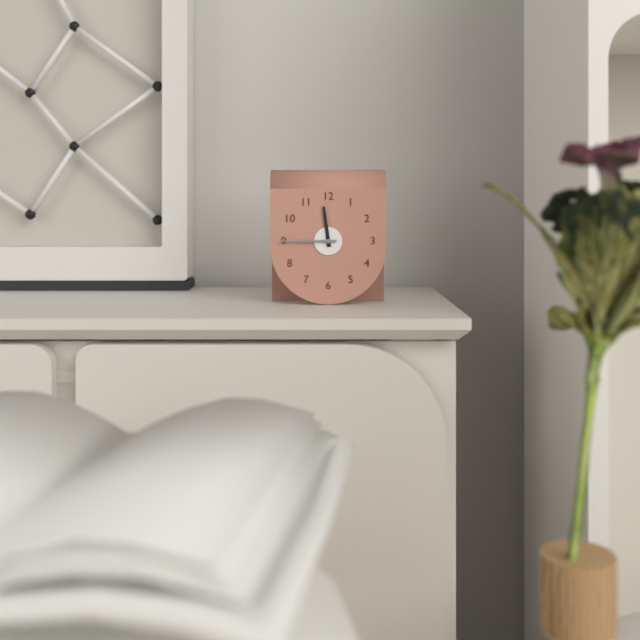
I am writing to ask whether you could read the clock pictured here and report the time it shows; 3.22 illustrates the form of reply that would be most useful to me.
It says 11.45
